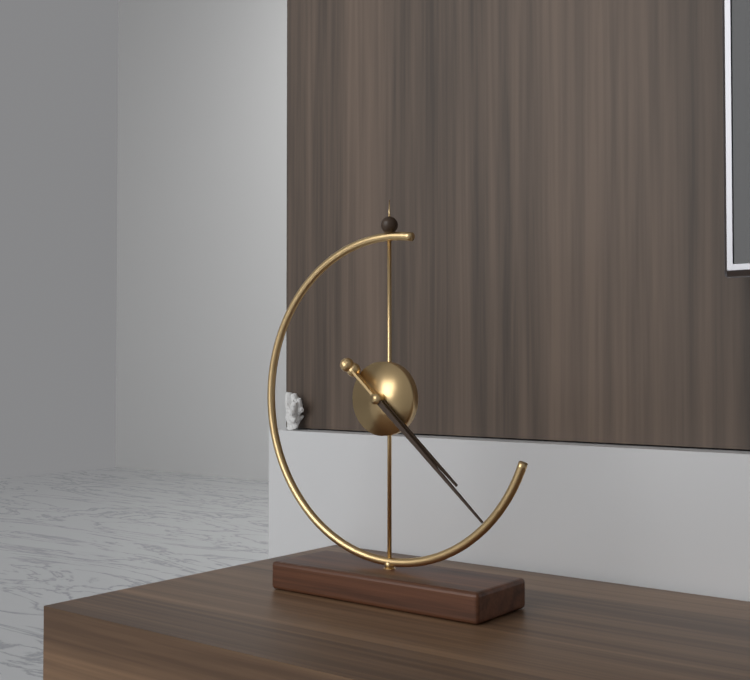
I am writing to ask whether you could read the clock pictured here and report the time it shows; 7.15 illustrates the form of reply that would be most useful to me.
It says 4.22
